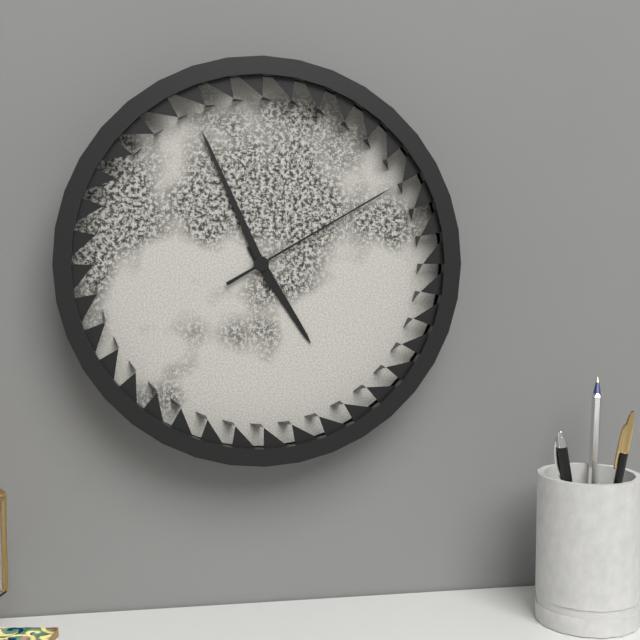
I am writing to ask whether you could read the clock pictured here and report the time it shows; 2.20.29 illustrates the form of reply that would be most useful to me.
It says 4.56.10
